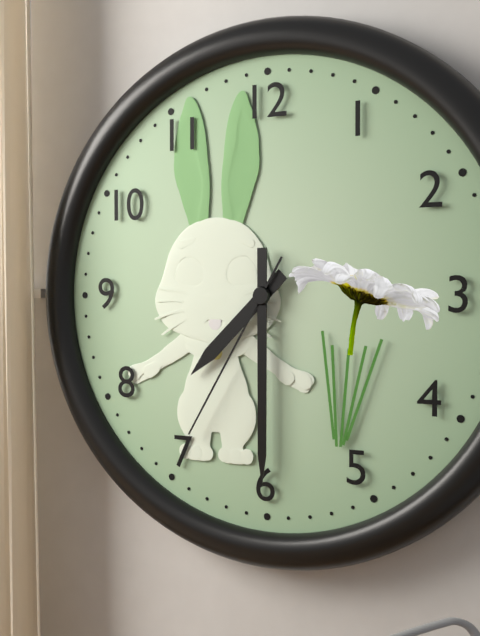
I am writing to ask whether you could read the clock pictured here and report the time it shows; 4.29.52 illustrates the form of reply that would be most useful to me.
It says 7.30.35
